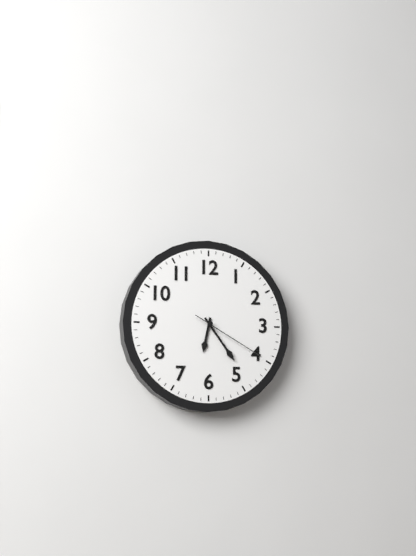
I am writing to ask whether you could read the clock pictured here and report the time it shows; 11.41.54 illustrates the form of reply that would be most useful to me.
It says 6.24.20
